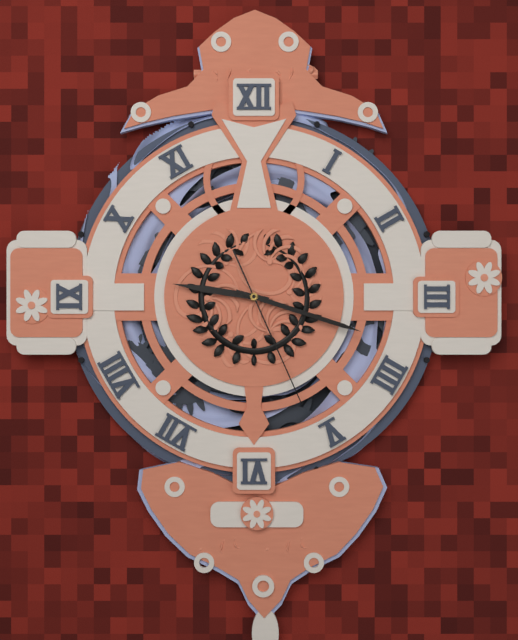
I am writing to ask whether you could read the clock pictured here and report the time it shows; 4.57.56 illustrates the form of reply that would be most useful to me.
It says 9.18.26
